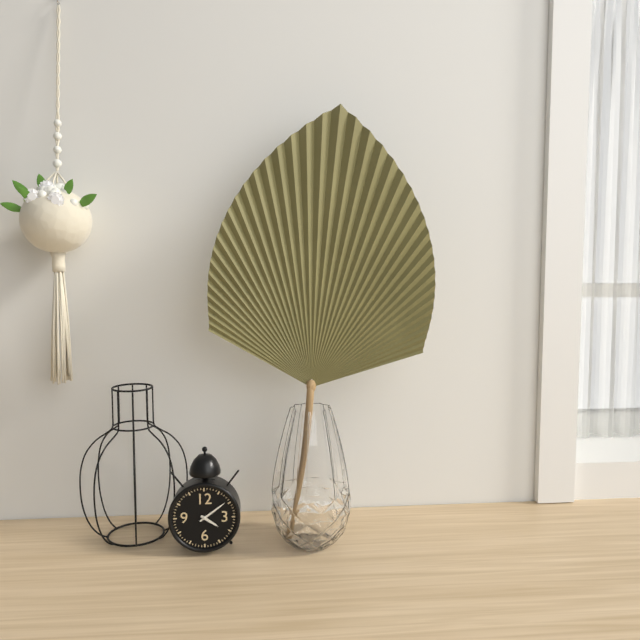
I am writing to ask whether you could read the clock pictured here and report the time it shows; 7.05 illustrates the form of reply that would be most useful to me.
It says 4.09
